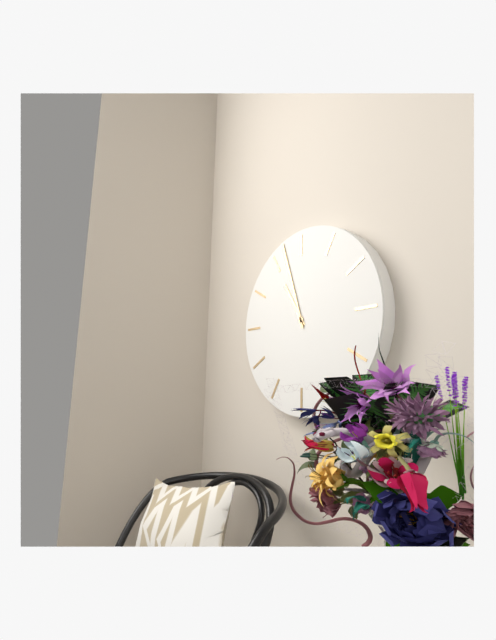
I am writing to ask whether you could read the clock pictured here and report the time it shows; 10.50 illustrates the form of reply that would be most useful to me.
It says 10.57
